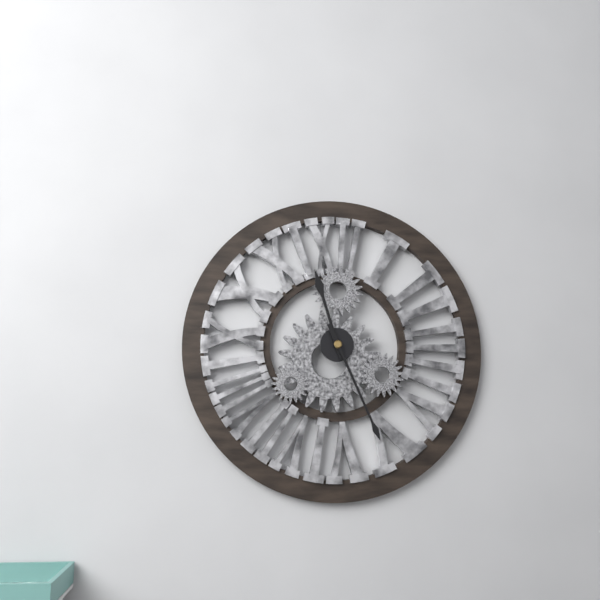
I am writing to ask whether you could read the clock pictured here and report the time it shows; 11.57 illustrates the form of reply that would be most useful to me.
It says 11.26
